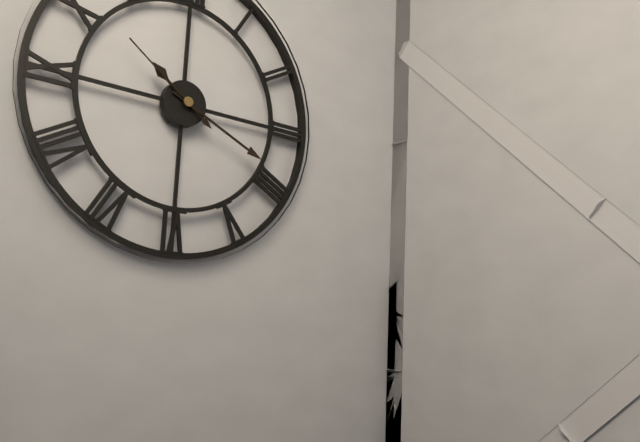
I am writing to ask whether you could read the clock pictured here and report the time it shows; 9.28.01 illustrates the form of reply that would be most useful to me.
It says 10.19.51
